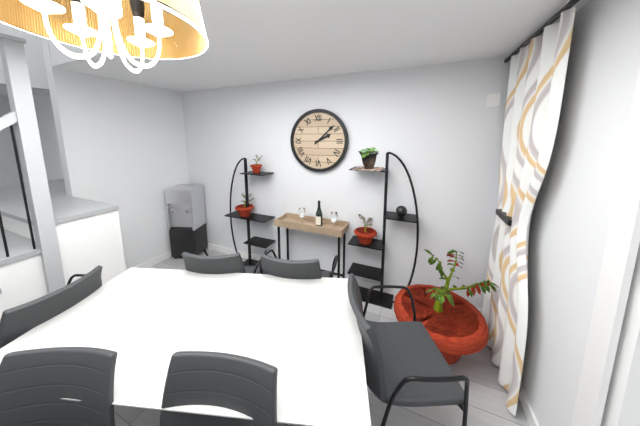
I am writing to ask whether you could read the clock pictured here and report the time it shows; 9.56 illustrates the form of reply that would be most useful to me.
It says 2.08
